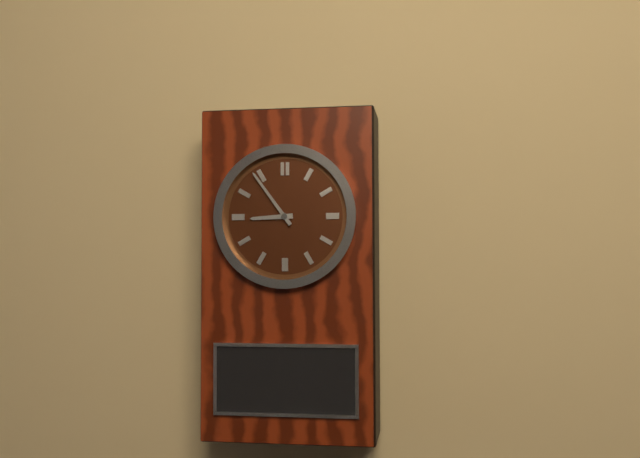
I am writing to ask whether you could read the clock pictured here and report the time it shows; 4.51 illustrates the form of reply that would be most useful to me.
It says 8.54
